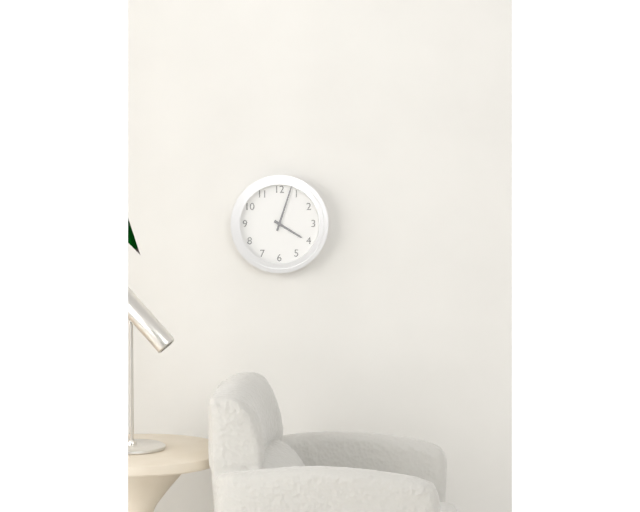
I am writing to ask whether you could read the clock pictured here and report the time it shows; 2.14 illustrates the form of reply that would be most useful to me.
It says 4.03
